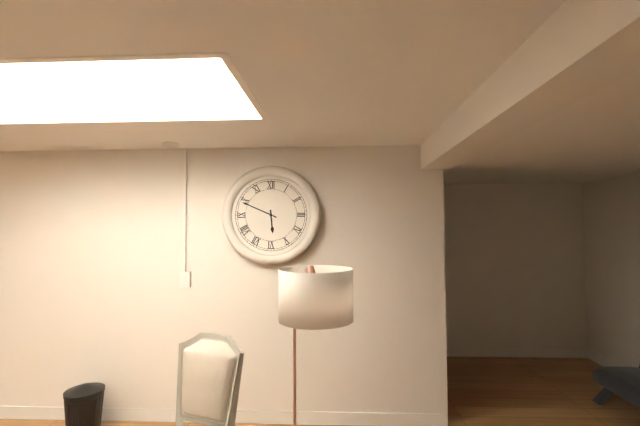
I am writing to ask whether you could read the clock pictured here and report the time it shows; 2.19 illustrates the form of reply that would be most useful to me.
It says 5.49
